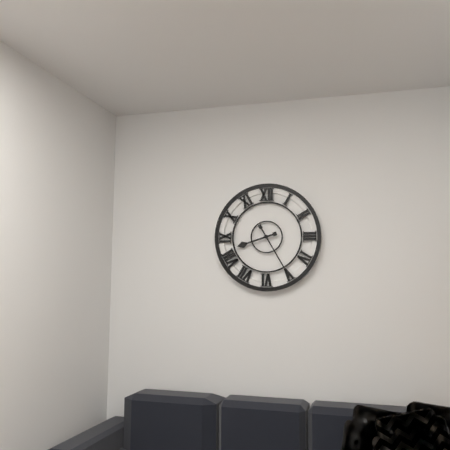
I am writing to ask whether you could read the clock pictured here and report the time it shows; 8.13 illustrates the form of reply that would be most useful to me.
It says 8.25
